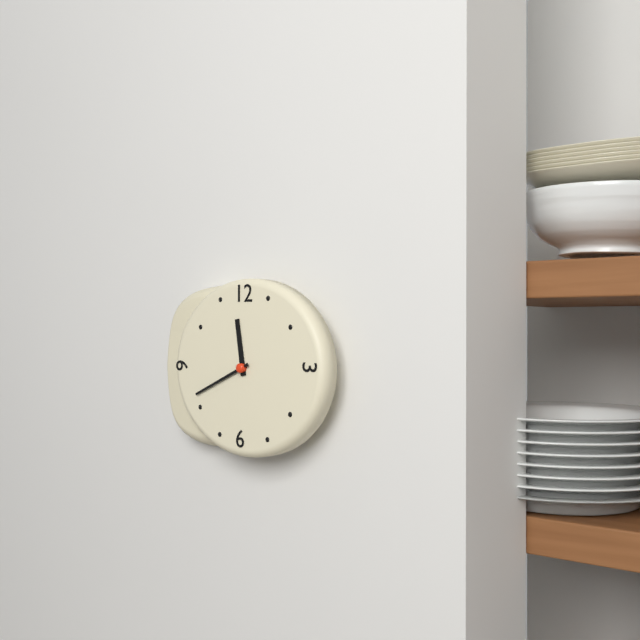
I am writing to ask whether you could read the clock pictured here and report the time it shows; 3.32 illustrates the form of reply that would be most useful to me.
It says 11.41
